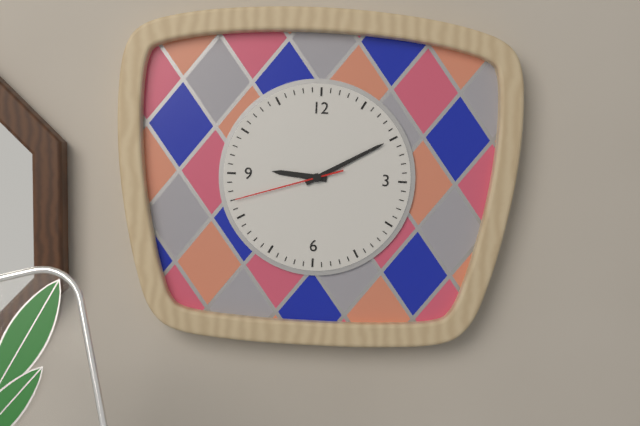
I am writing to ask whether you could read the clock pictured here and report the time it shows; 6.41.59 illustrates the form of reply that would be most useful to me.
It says 9.10.42
